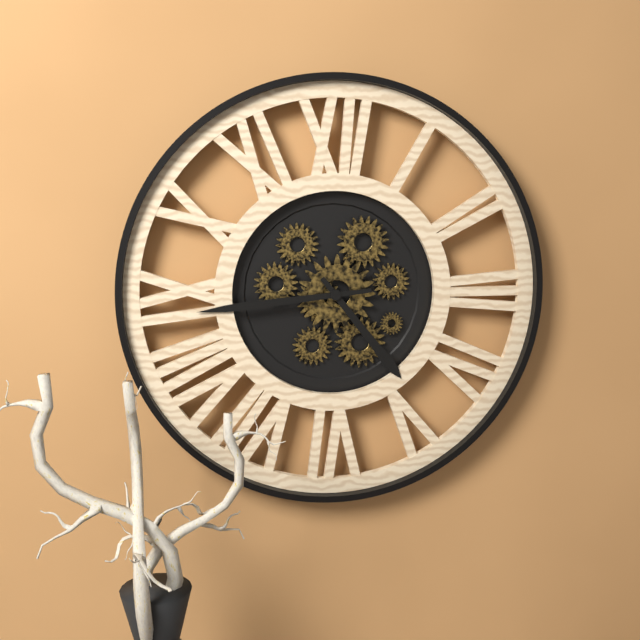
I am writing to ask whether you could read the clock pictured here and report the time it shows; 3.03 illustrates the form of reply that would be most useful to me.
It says 4.44
